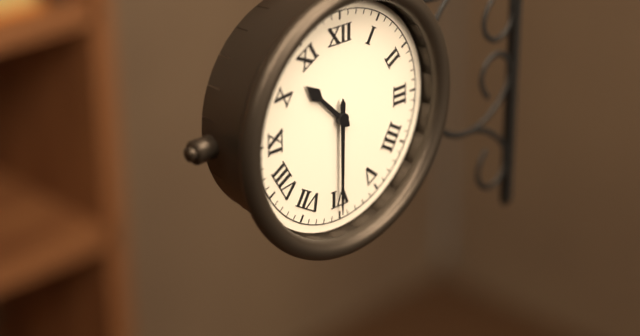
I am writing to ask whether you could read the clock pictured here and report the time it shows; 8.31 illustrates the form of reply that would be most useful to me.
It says 10.30
